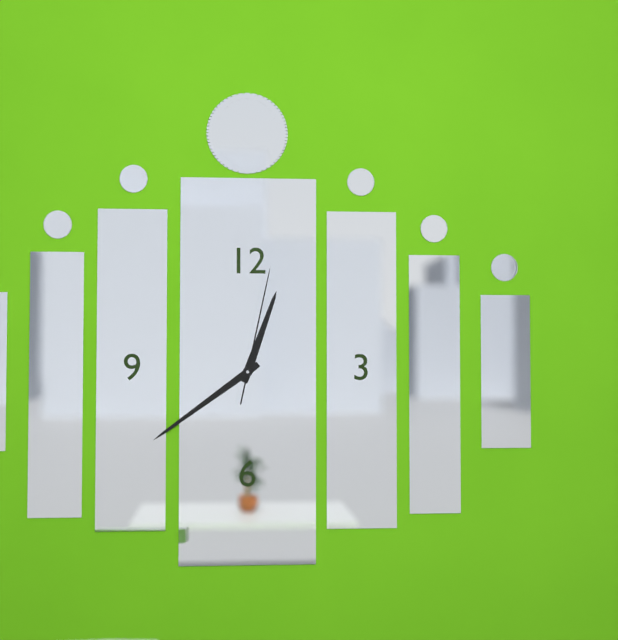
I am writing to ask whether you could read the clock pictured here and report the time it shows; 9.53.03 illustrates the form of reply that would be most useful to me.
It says 12.39.02
